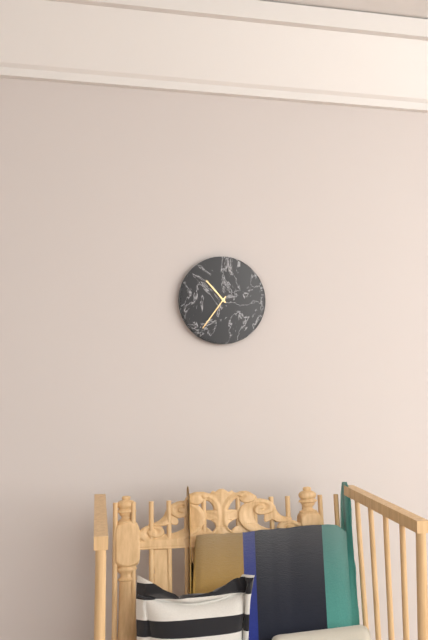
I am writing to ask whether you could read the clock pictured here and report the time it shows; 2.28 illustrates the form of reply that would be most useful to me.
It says 10.36
